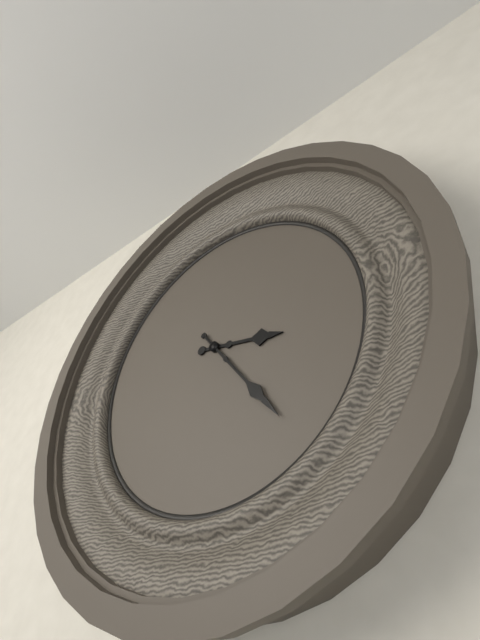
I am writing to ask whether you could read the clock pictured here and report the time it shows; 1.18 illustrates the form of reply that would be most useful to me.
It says 3.24
